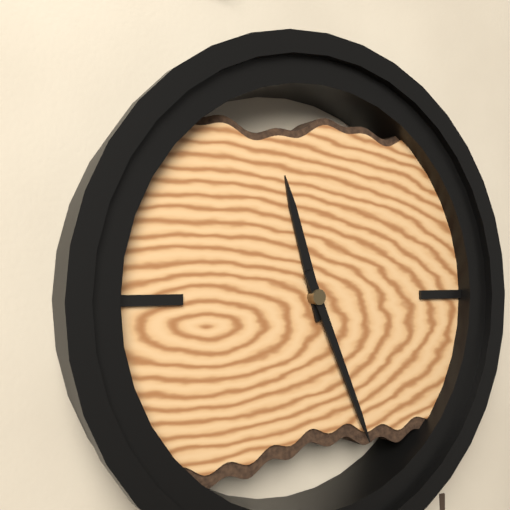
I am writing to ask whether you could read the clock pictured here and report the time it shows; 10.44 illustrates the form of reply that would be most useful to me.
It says 11.26
